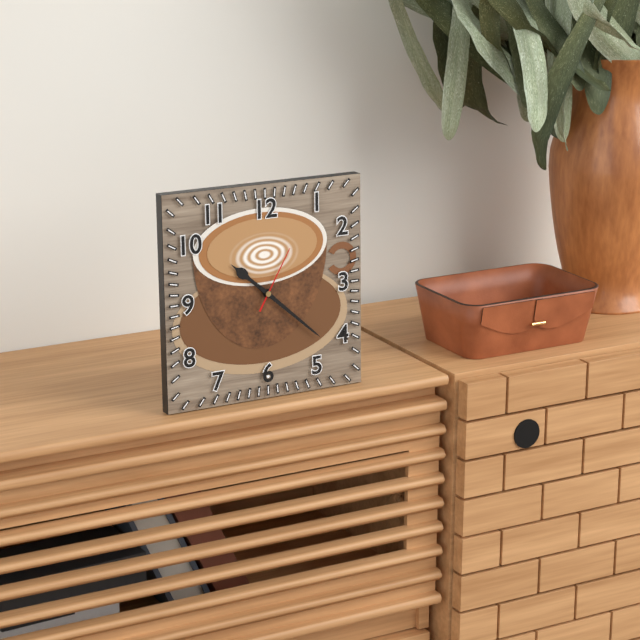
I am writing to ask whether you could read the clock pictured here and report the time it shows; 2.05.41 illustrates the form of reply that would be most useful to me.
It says 10.22.05
